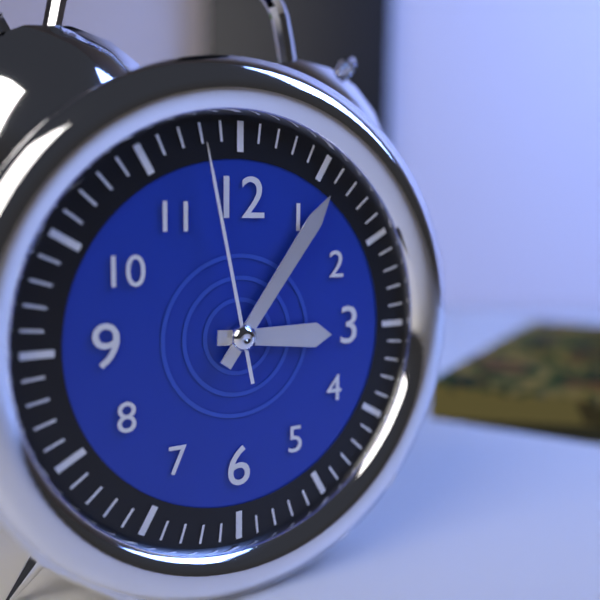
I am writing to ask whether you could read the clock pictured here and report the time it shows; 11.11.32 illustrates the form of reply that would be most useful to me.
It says 3.06.58
